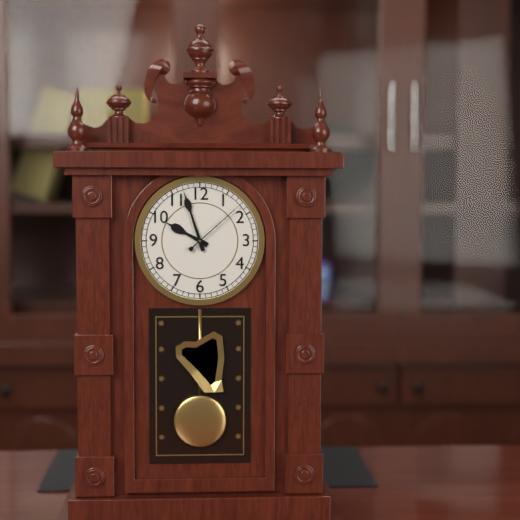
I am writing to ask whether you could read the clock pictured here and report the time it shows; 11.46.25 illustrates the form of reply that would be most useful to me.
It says 9.57.08
